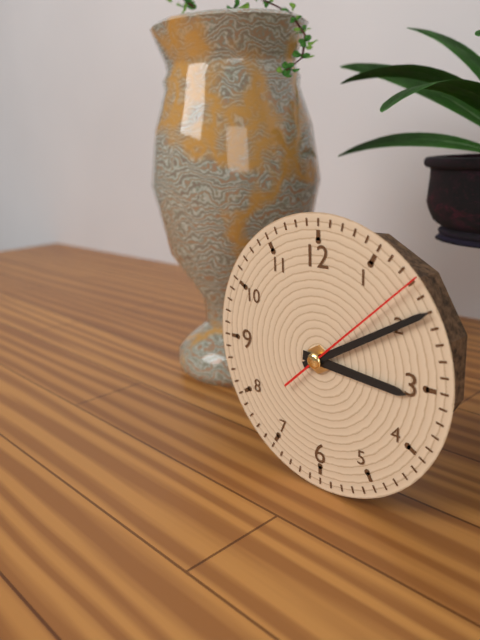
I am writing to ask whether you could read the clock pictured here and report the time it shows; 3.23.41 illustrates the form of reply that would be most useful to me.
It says 3.10.08
